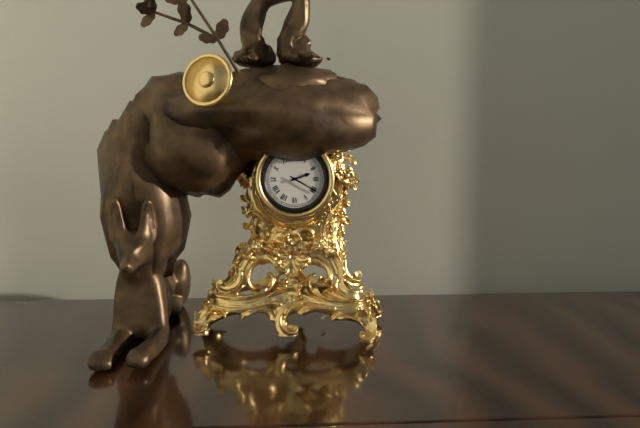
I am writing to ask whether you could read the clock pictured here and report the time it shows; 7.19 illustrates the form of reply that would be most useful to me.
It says 2.20
